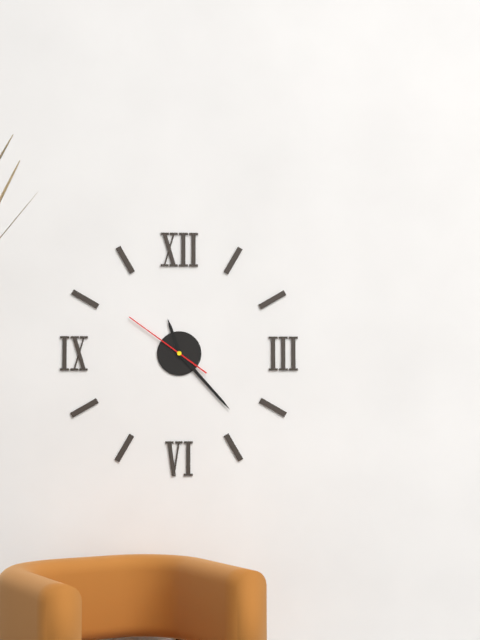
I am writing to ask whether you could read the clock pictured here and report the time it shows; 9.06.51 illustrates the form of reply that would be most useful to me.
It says 11.23.51
